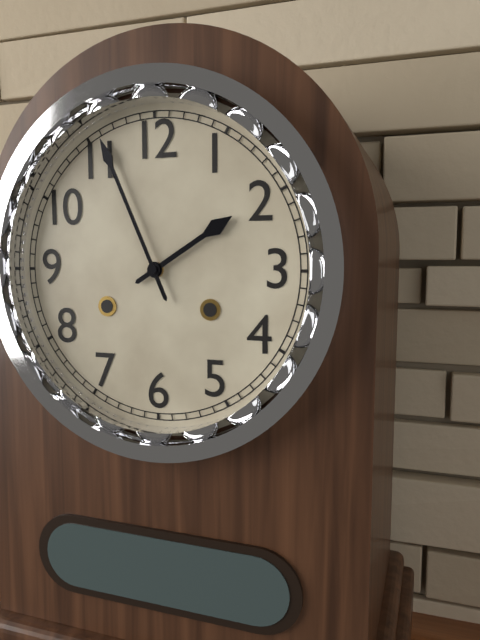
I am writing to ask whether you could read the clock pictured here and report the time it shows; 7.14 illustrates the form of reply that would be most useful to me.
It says 1.56
